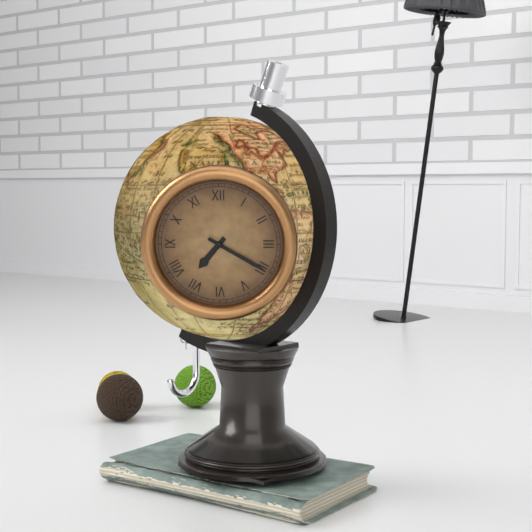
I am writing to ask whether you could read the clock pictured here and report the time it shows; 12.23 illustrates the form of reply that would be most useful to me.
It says 7.20
